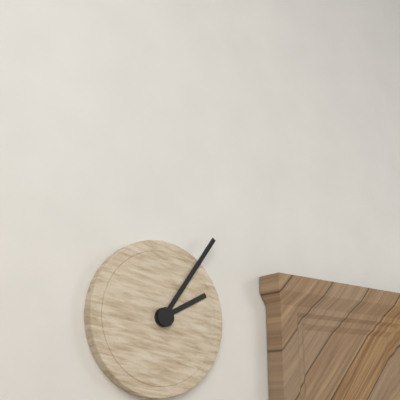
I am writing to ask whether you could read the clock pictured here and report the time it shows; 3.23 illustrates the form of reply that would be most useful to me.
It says 2.06
